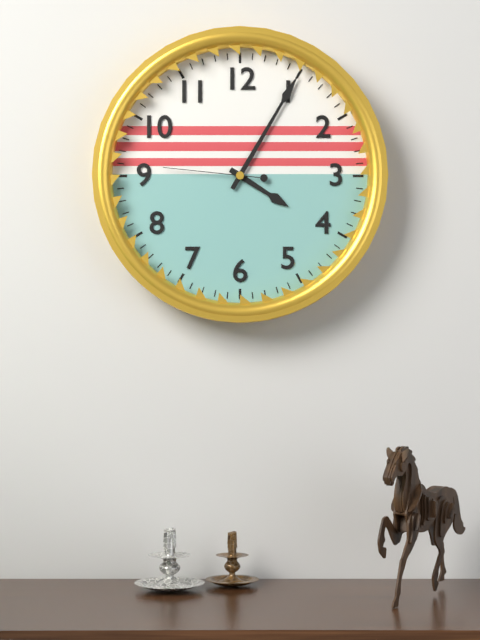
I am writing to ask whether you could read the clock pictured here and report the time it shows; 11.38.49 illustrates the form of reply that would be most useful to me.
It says 4.05.46
